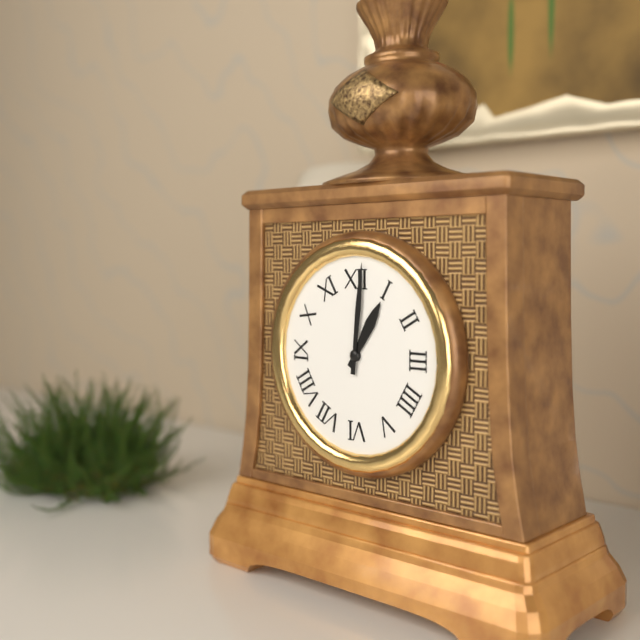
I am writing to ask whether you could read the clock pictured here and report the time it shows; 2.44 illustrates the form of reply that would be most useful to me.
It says 1.01
